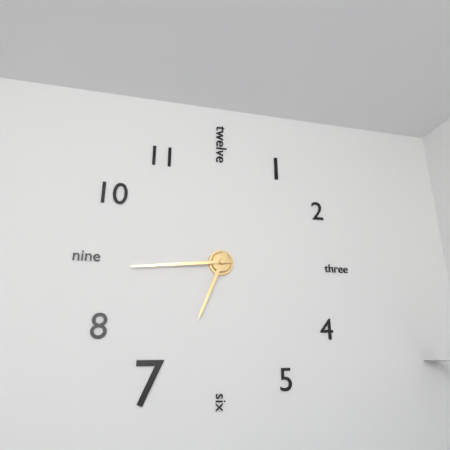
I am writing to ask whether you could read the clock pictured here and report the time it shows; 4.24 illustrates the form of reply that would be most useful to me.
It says 6.44
